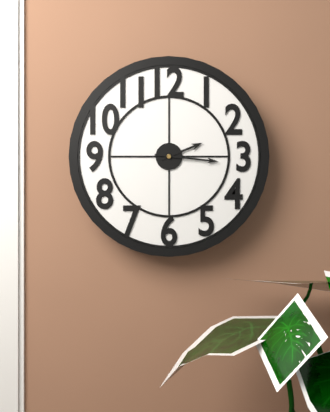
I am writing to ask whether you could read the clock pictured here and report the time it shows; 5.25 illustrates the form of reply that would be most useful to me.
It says 2.16
